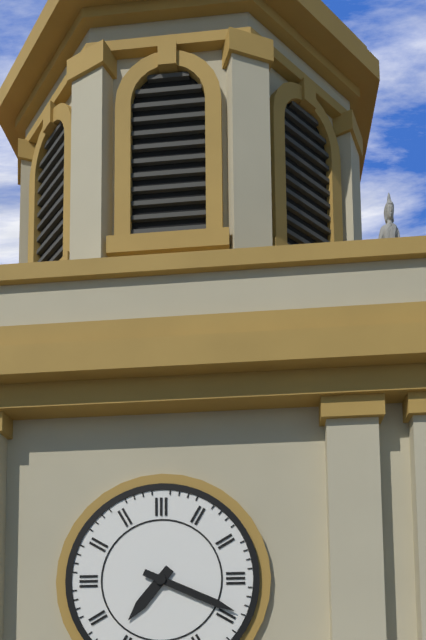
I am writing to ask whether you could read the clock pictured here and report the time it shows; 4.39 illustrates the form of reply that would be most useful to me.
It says 7.19
